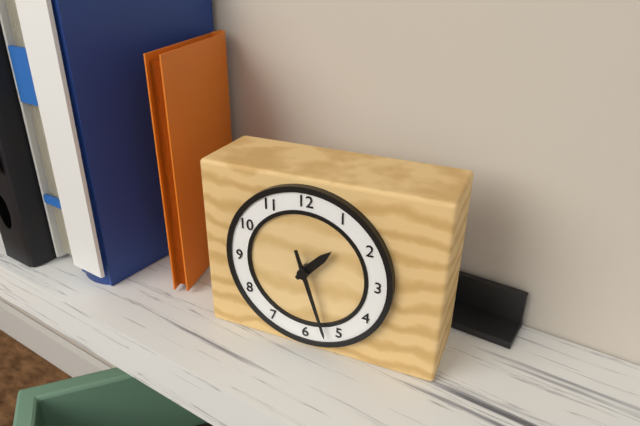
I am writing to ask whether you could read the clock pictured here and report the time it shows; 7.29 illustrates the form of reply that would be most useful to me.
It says 1.27
